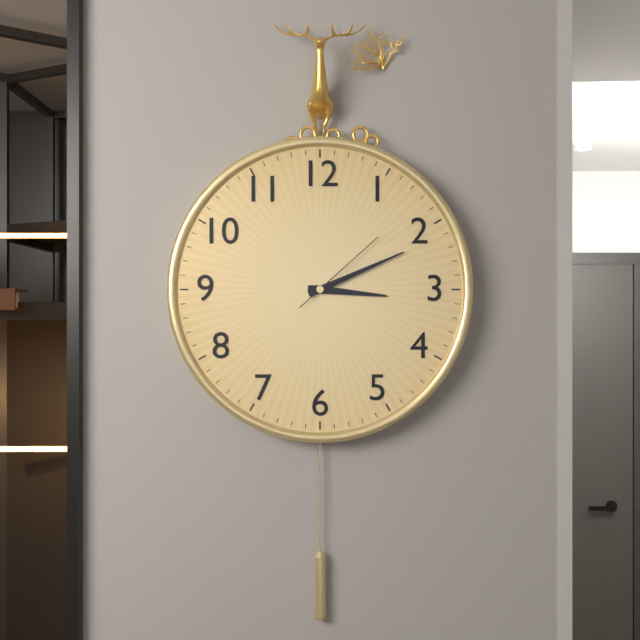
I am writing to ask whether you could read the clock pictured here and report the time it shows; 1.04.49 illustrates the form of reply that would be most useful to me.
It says 3.11.08
